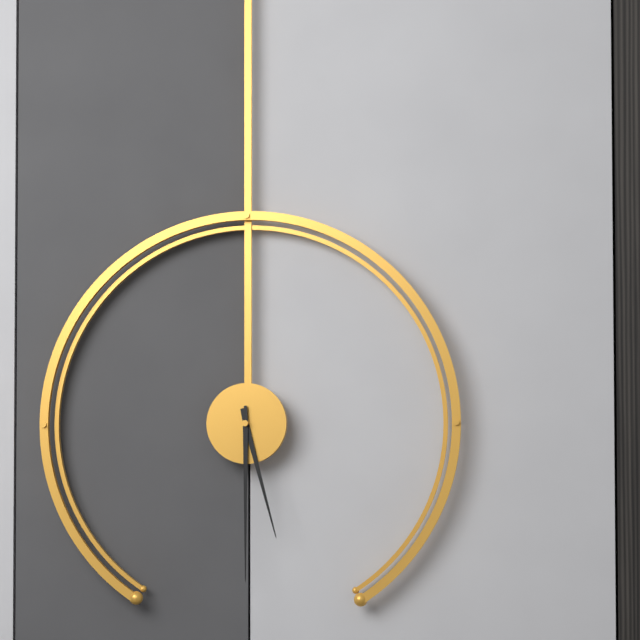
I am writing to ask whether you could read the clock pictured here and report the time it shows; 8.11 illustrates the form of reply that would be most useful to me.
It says 5.30
